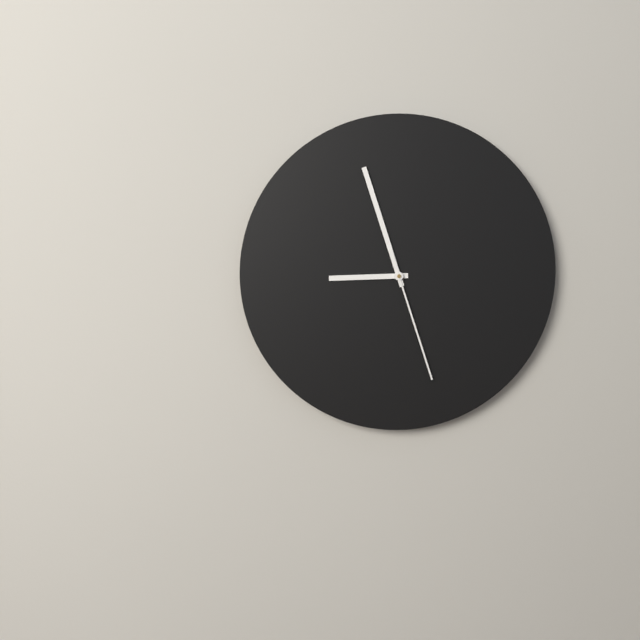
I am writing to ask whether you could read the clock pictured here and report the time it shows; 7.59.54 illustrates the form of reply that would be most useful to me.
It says 8.57.27
